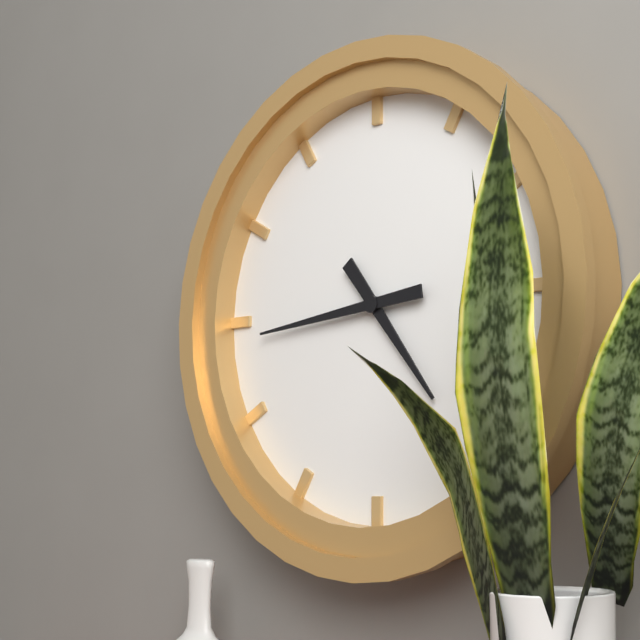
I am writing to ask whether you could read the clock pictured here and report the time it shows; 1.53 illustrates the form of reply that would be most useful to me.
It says 4.44
